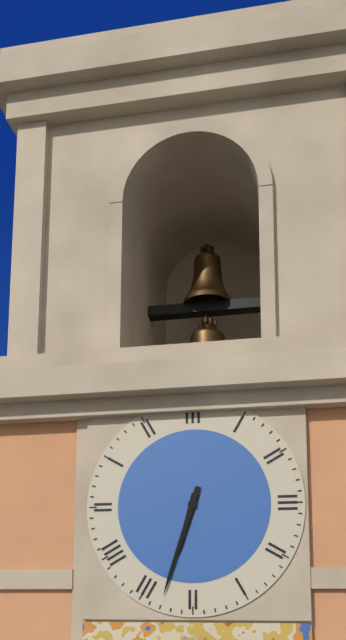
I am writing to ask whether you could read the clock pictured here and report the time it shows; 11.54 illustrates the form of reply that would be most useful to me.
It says 6.33
